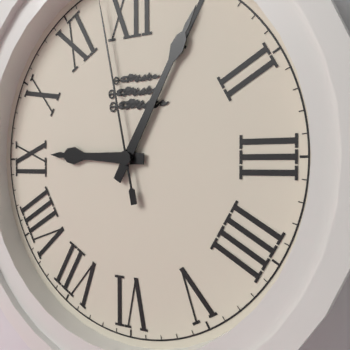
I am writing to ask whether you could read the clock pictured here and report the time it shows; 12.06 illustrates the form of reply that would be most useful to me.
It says 9.05
